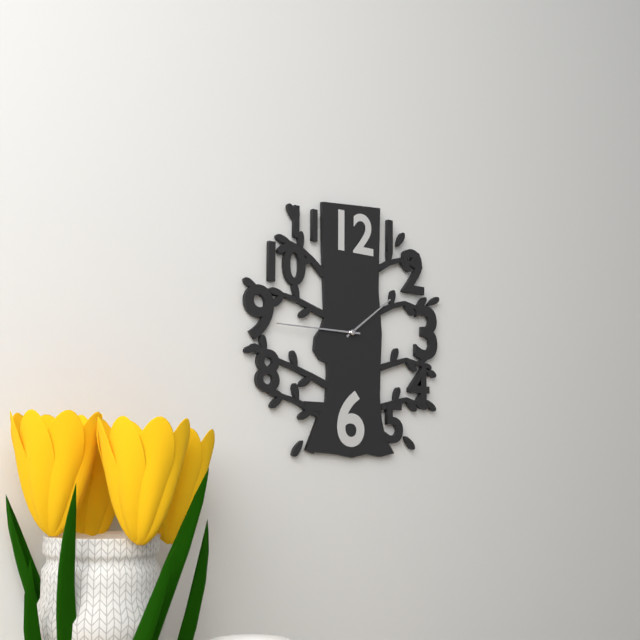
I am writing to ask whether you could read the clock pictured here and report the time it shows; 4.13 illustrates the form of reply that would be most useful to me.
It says 1.45
